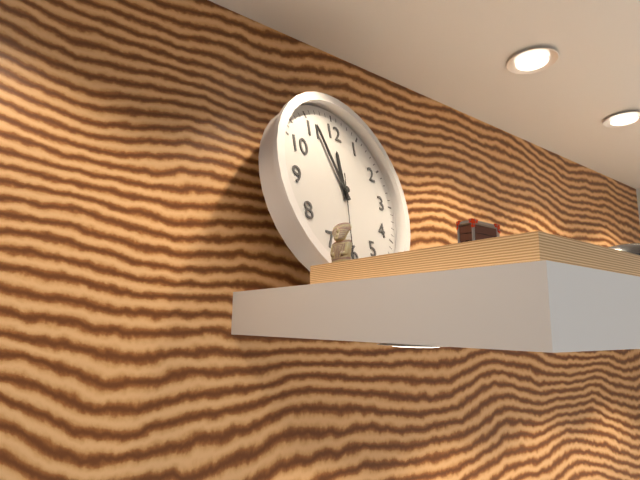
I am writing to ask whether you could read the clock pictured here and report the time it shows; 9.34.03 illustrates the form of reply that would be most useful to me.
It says 11.56.31
